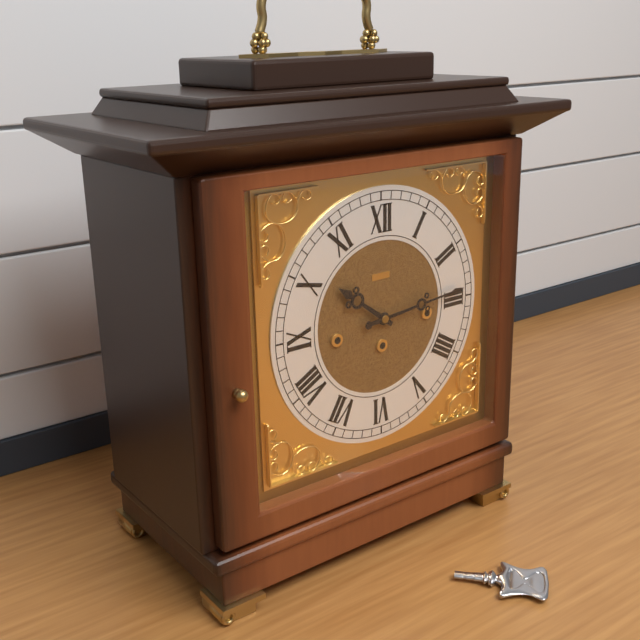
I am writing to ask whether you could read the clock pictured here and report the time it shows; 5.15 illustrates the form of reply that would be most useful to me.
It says 10.14
